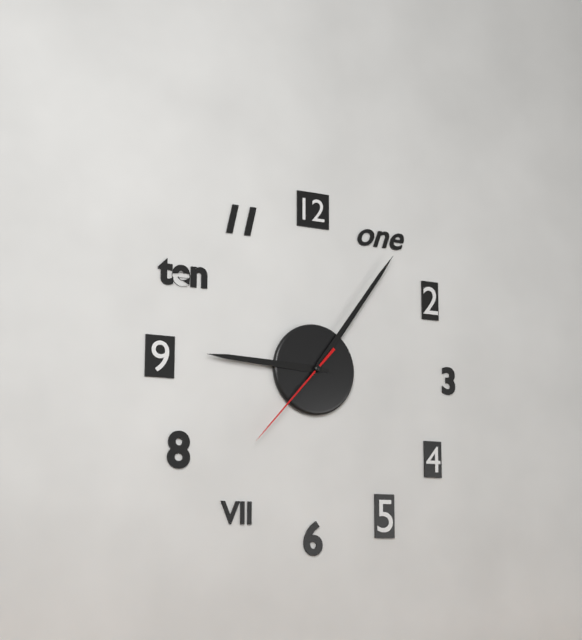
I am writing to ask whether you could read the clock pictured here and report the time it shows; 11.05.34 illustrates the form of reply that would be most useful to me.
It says 9.06.37
